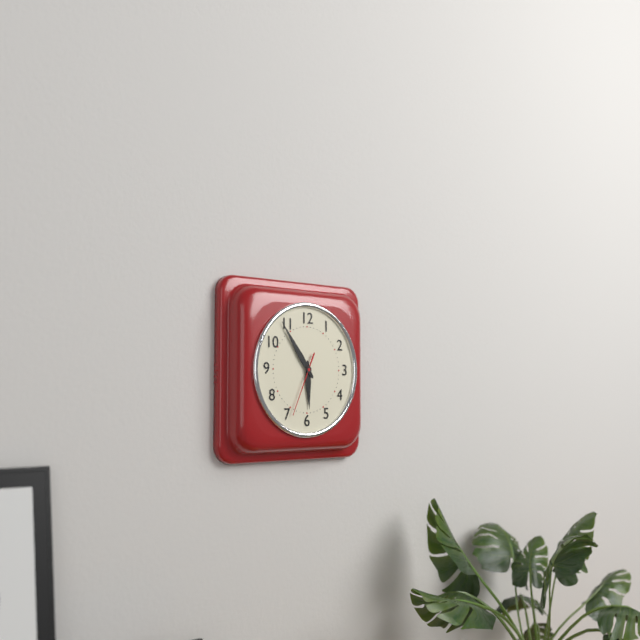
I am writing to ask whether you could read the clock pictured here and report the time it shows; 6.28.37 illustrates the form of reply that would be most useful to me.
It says 5.54.34
